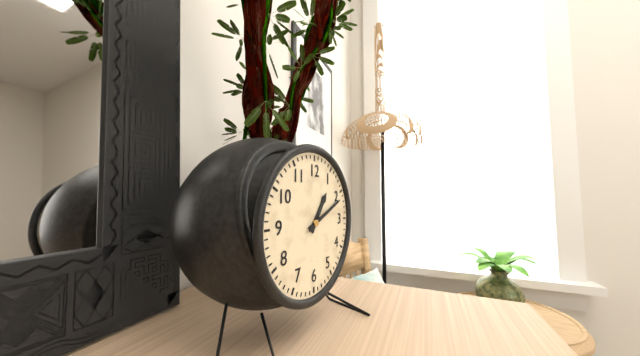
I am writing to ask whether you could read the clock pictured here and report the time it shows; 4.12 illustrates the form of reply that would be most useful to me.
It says 1.11
